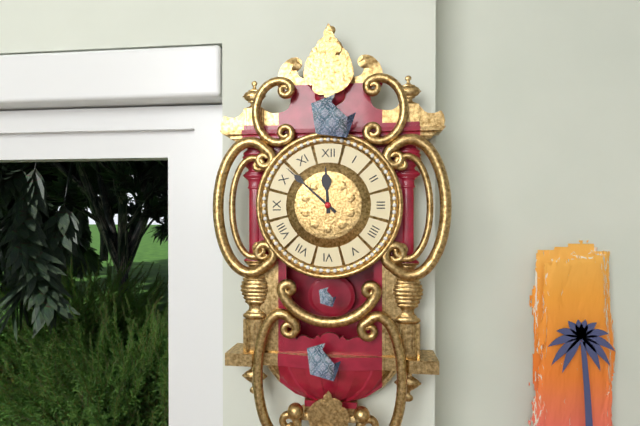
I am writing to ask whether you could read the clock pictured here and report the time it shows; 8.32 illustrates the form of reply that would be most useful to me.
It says 11.52
